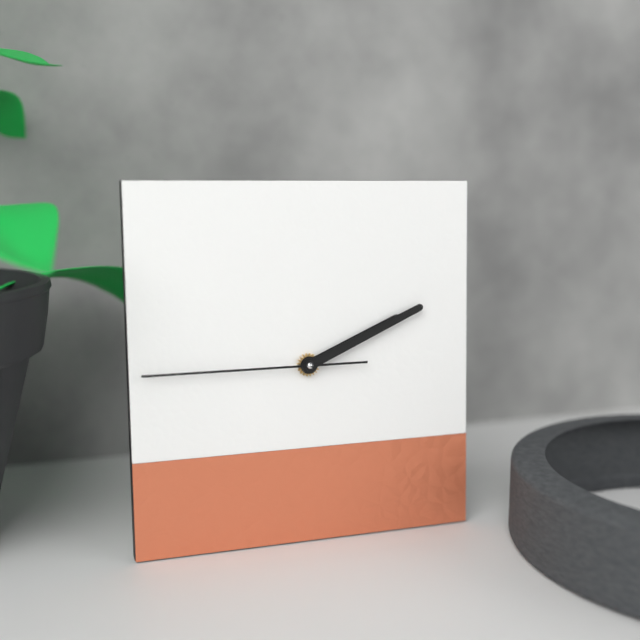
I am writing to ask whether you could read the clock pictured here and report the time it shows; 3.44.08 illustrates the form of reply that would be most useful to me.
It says 2.11.45
